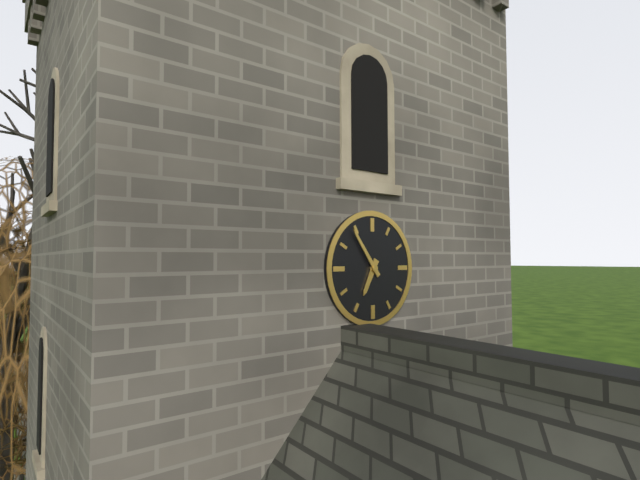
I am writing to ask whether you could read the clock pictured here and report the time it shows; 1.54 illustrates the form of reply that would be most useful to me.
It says 6.54
